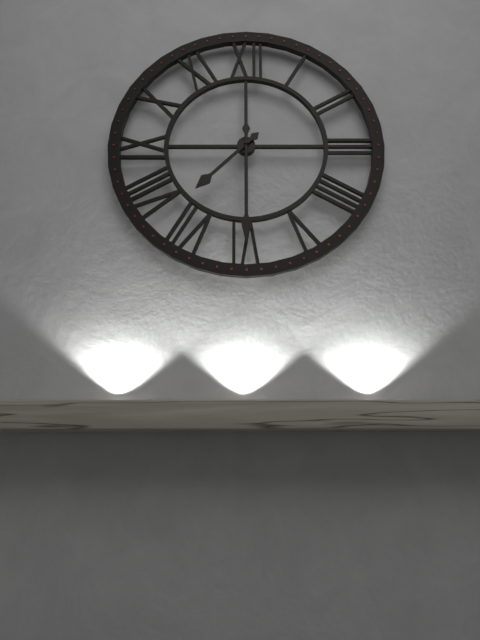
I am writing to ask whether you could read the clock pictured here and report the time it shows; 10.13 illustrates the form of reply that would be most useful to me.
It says 7.30
